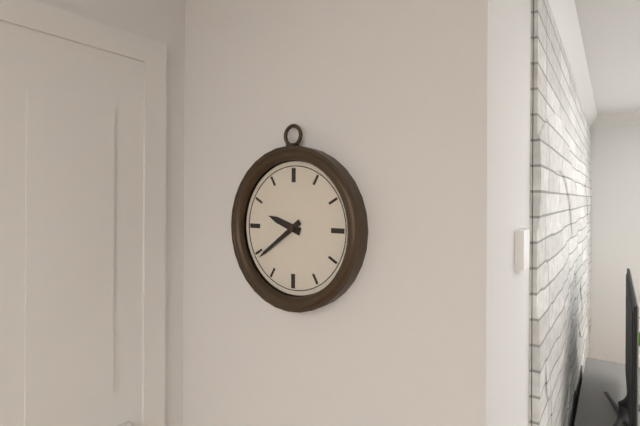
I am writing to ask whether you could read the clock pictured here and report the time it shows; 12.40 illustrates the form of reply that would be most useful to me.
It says 9.39
